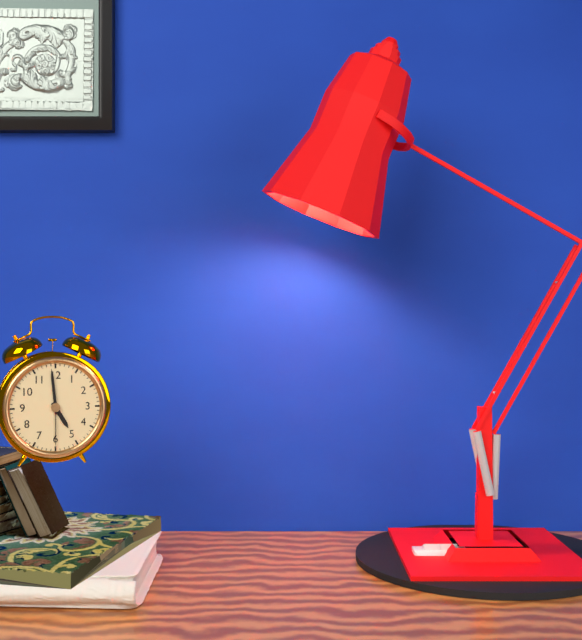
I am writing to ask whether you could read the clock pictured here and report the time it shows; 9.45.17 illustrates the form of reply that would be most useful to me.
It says 4.59.30
